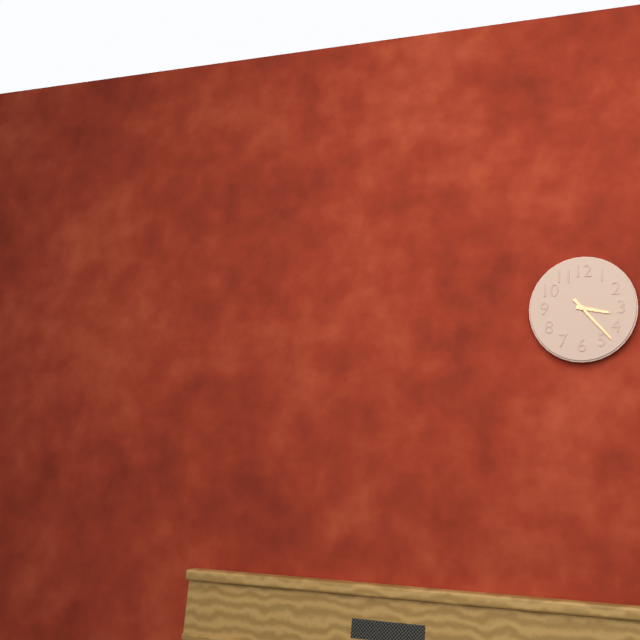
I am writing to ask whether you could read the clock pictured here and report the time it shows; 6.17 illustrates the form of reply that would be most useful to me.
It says 3.23
